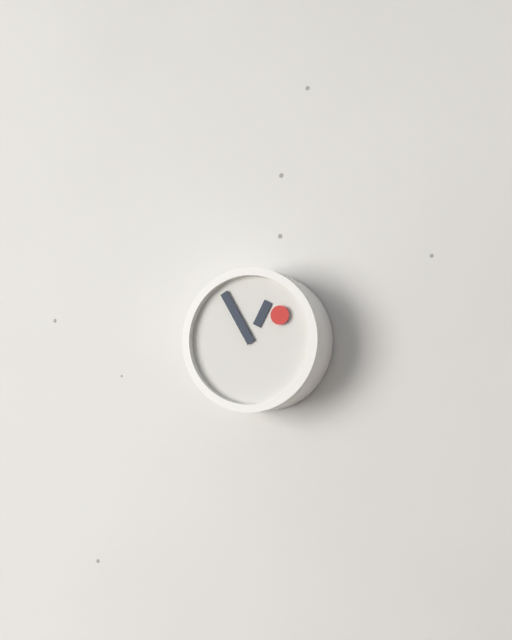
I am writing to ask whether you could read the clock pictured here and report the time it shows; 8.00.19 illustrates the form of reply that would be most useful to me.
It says 12.55.09
